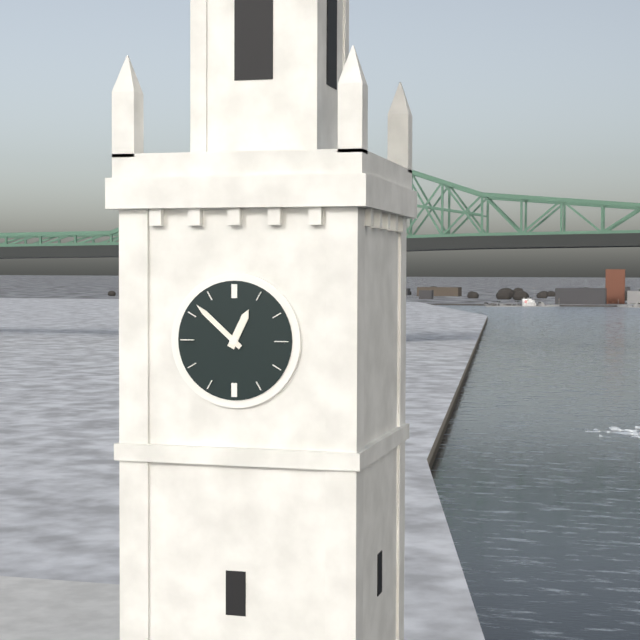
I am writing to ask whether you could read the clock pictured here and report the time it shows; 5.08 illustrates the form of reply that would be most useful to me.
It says 12.52
